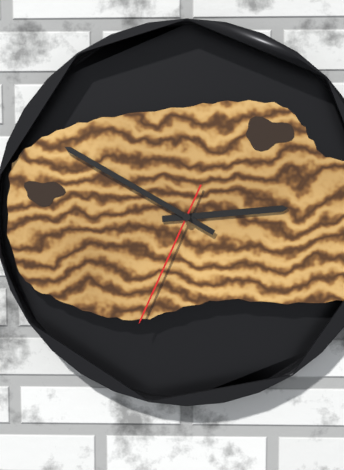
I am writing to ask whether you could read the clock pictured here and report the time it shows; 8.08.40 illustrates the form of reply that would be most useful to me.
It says 2.50.34
